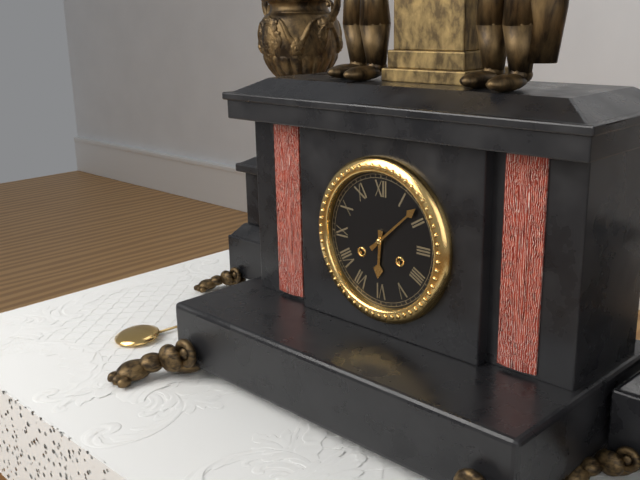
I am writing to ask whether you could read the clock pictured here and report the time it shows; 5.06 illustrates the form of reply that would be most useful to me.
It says 6.08
